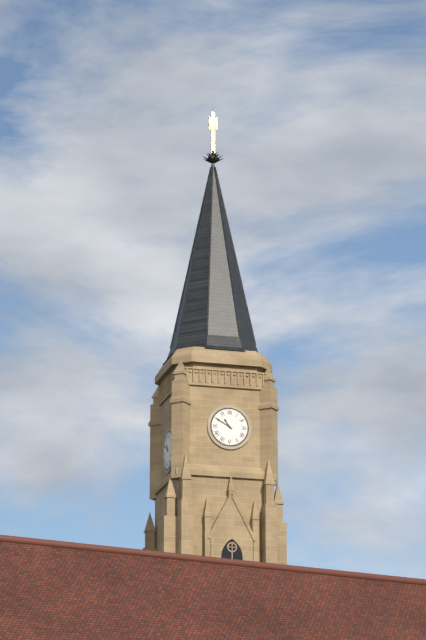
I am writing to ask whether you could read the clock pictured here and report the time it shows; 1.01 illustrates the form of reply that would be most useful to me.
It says 10.50
